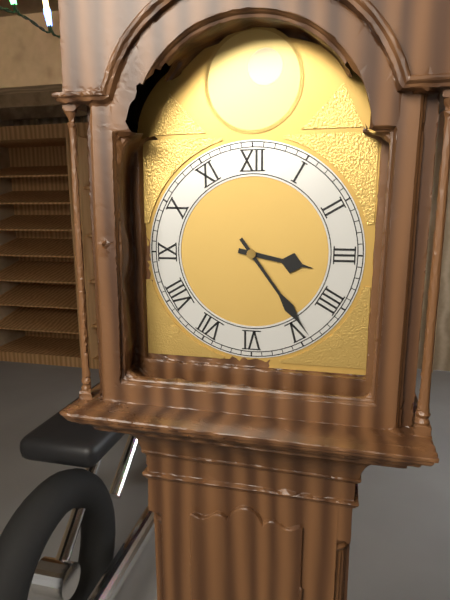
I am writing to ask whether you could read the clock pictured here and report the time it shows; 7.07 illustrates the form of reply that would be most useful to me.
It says 3.24
